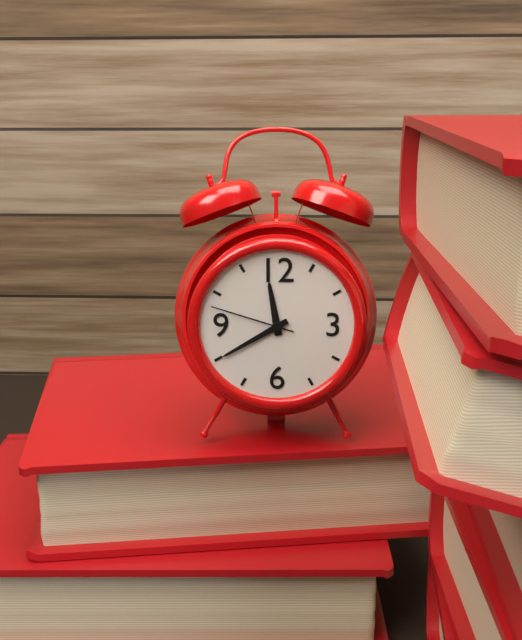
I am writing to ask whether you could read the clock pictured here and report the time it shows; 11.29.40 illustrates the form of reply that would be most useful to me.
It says 11.40.48
